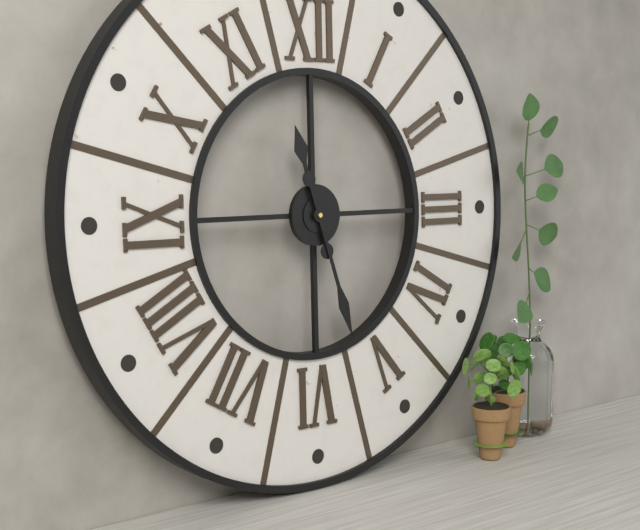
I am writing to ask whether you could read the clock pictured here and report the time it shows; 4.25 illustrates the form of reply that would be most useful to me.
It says 11.27
